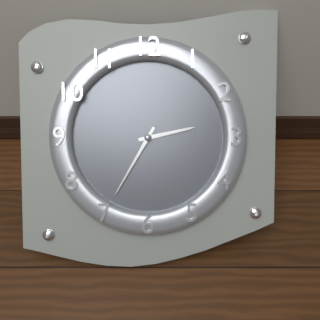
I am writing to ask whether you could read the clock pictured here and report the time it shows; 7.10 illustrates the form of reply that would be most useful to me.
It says 2.35
